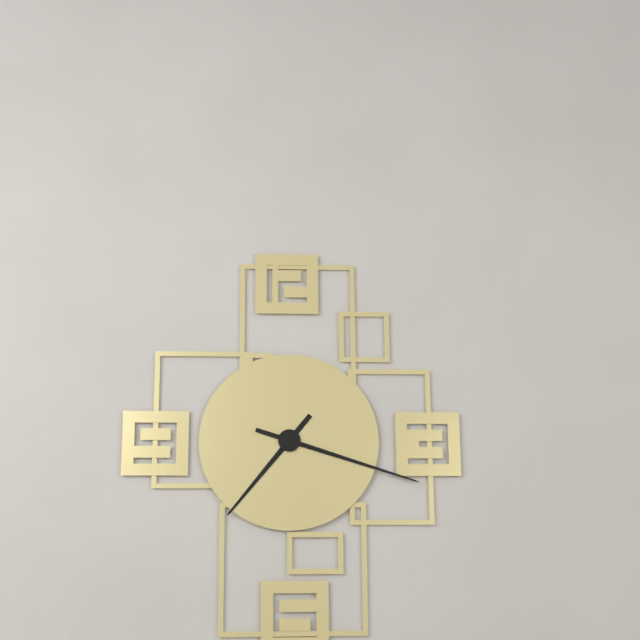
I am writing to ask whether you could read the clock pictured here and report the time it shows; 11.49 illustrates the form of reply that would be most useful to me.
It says 7.18
